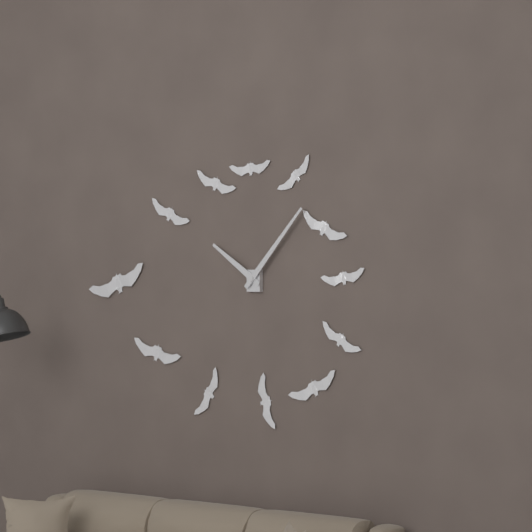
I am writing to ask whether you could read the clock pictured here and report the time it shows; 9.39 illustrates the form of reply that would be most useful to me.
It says 10.07
